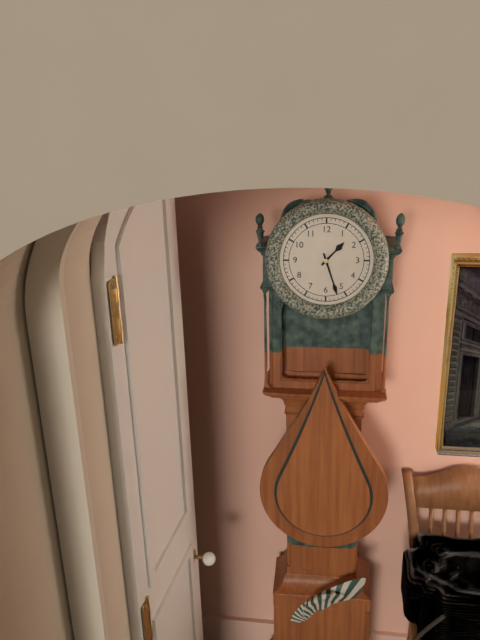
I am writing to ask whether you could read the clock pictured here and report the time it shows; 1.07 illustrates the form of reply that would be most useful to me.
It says 1.27
